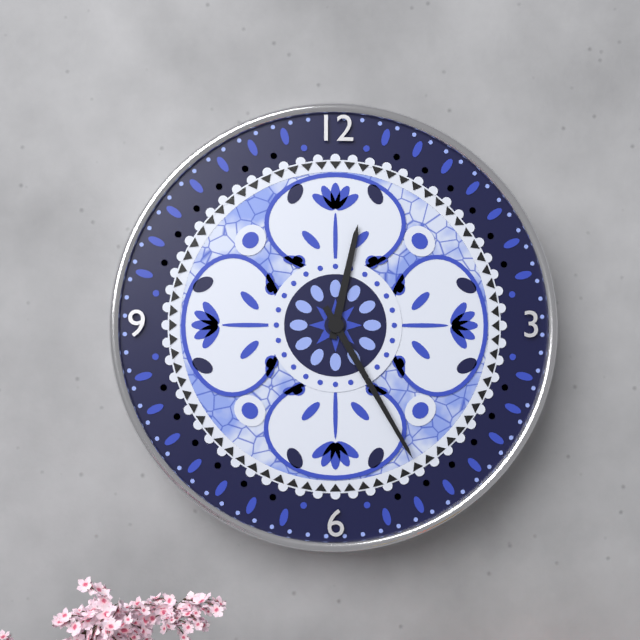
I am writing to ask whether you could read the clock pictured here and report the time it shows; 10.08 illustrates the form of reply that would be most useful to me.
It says 12.25
